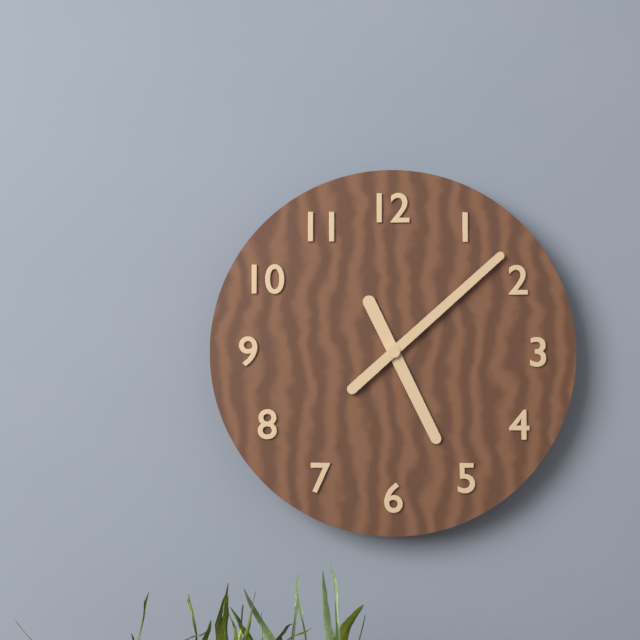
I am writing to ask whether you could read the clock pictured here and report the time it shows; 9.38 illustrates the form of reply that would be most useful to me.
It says 5.08
